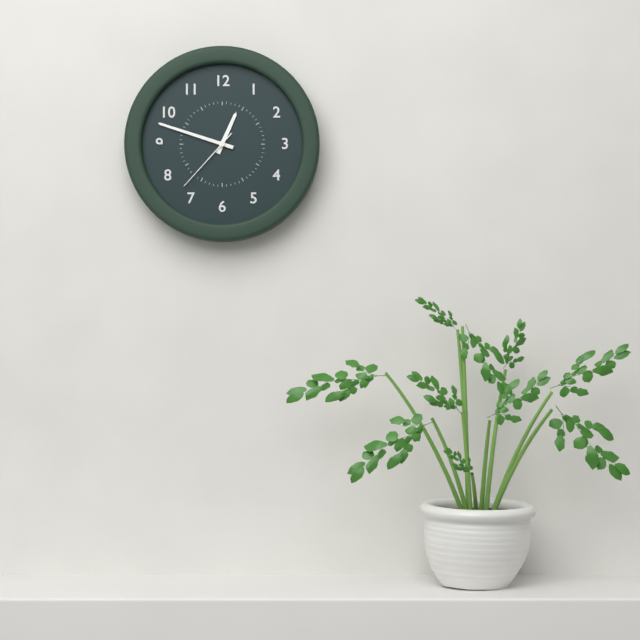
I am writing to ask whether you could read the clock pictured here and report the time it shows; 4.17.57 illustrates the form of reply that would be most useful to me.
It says 12.48.37
